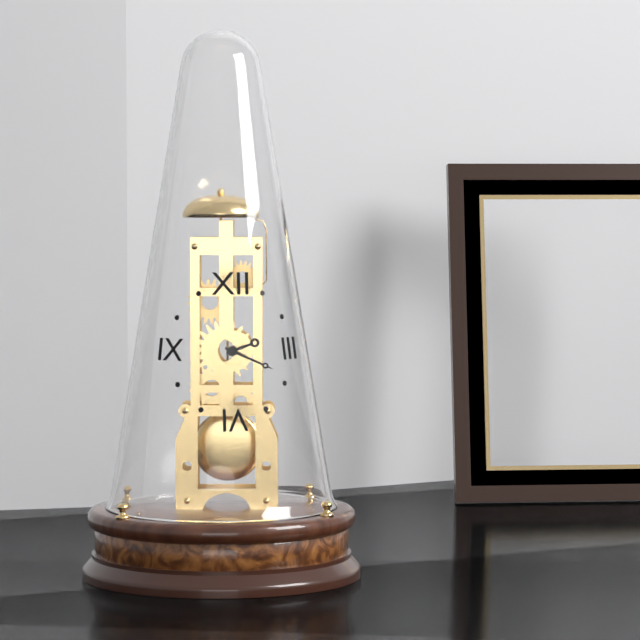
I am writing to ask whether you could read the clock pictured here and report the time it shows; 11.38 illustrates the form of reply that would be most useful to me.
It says 2.19
